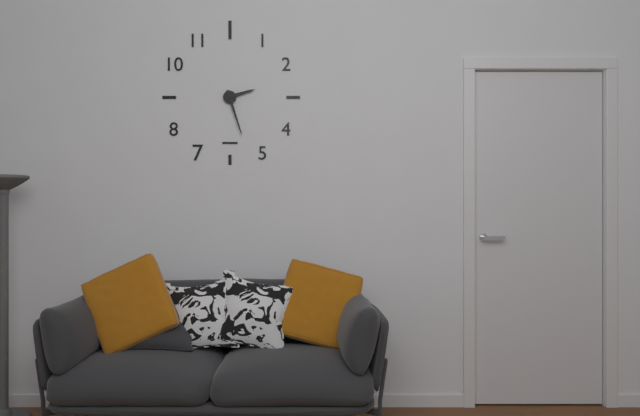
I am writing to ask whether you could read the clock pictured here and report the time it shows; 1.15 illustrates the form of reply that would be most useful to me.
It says 2.27
